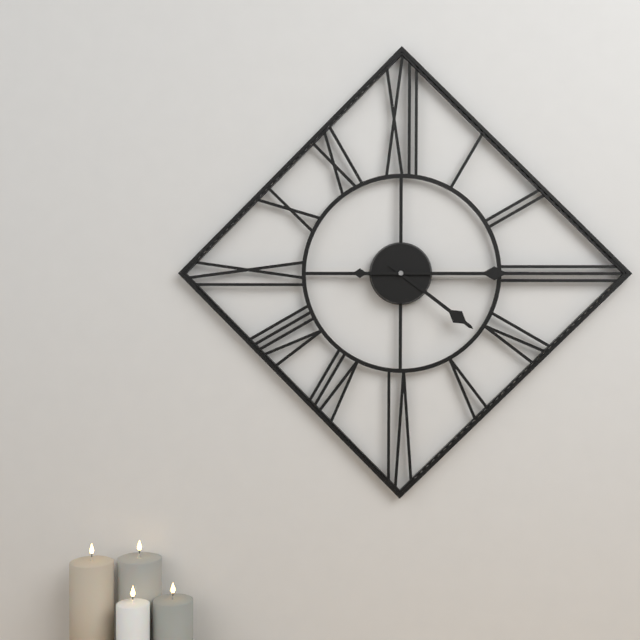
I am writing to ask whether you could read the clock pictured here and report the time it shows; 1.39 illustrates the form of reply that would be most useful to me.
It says 4.15
